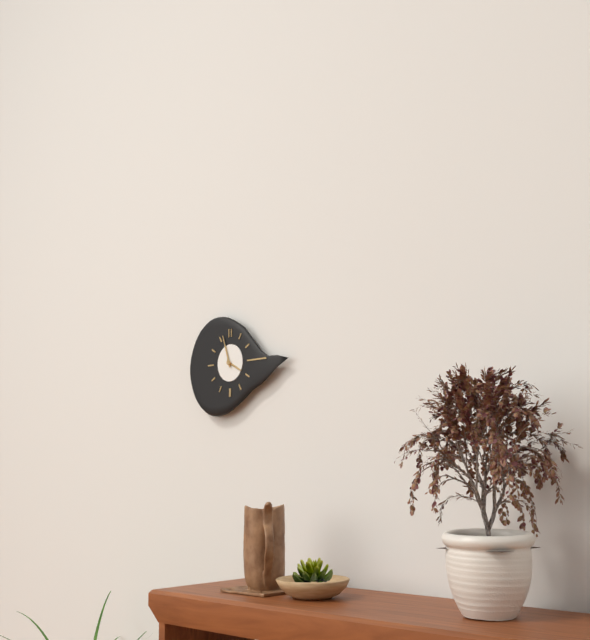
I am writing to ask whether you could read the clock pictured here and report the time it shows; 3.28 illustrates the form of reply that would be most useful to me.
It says 3.57
